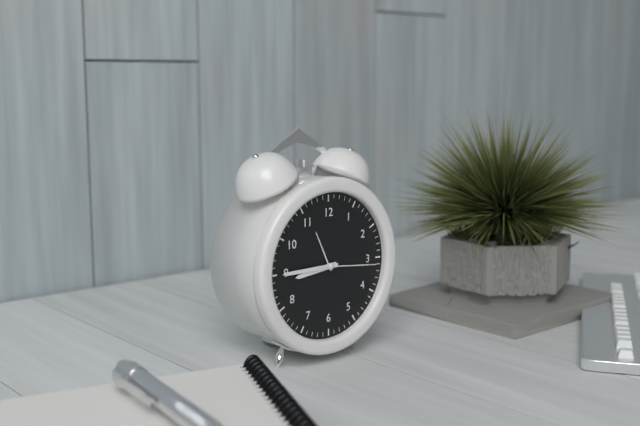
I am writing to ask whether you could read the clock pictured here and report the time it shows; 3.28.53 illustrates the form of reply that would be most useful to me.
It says 8.45.16
